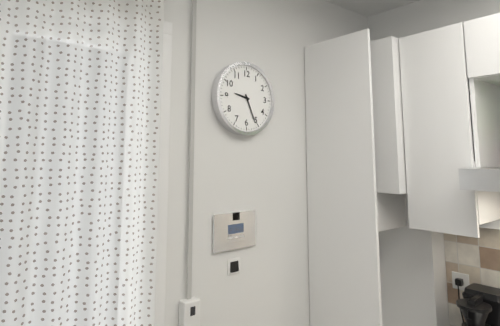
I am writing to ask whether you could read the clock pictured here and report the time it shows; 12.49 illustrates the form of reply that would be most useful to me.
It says 9.26
